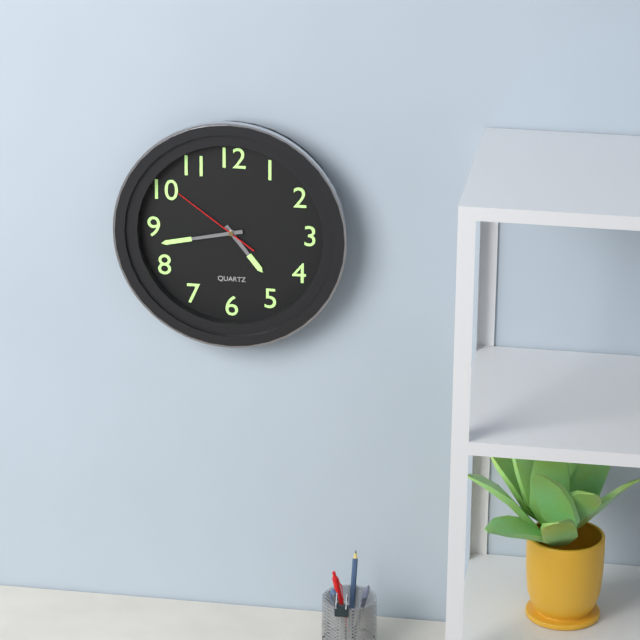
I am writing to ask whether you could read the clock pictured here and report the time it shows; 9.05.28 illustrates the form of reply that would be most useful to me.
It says 4.43.51
